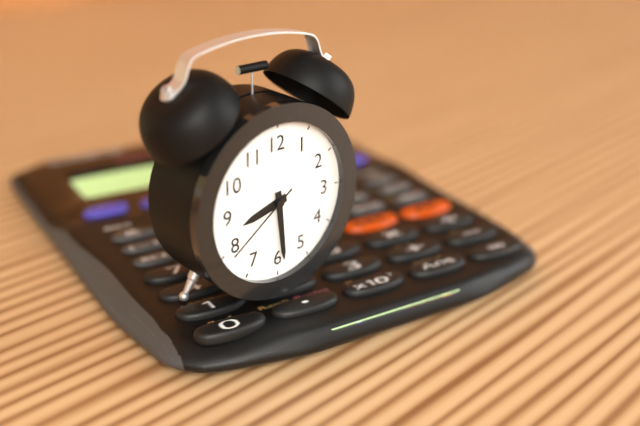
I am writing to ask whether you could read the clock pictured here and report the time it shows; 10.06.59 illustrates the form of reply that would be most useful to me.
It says 8.29.39
